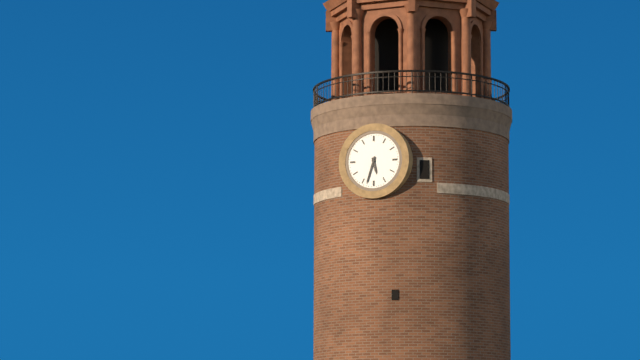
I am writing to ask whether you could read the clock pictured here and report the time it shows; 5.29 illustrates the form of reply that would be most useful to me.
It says 5.33
